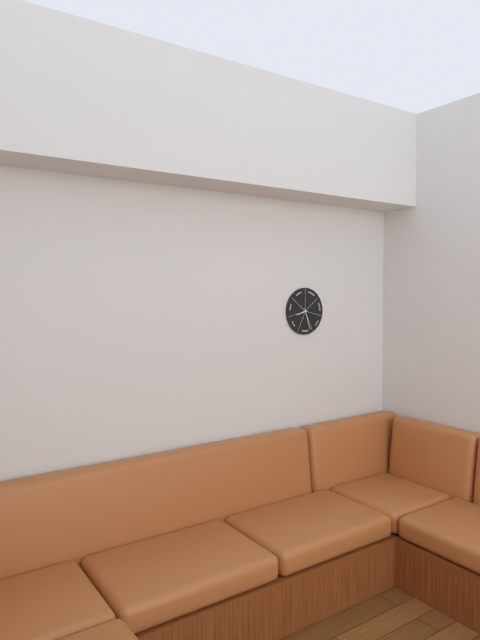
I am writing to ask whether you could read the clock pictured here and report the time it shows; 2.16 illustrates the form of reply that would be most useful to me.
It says 8.27
